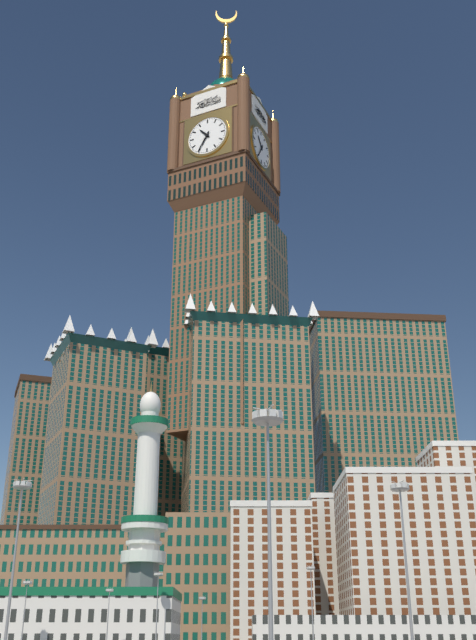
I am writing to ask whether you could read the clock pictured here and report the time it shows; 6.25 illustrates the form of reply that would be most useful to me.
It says 10.35
